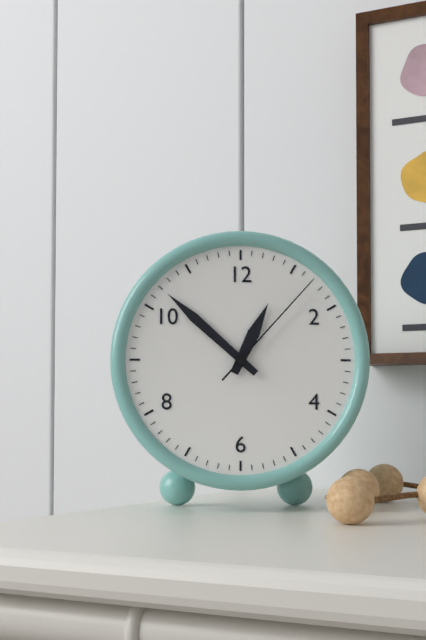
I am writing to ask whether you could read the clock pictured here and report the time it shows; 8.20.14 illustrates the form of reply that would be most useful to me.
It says 12.52.07
